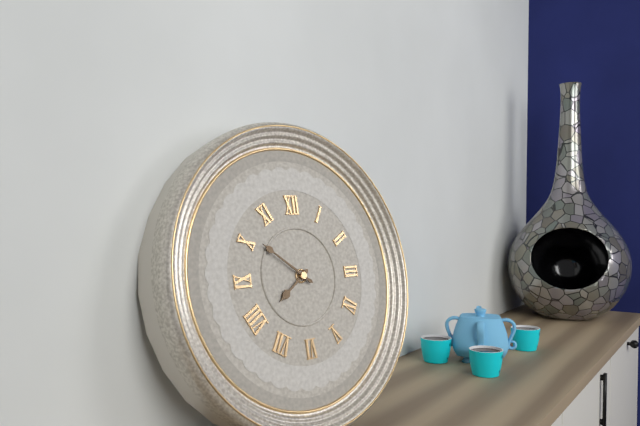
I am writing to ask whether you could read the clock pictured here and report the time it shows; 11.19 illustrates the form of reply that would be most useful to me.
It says 7.51
